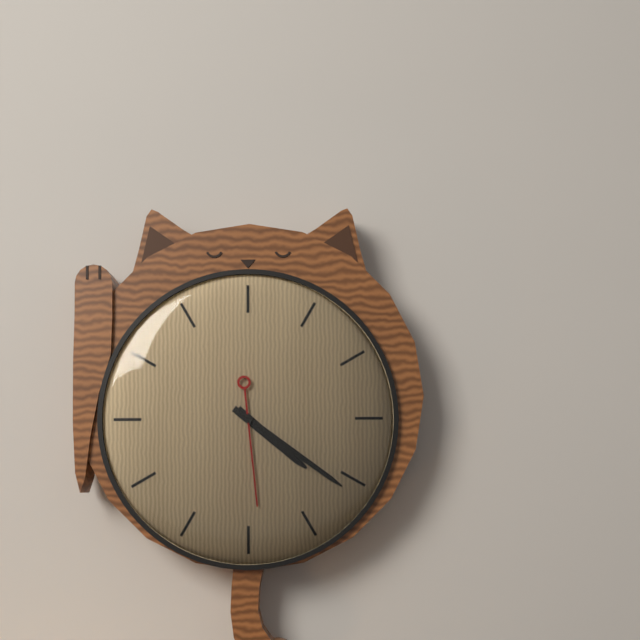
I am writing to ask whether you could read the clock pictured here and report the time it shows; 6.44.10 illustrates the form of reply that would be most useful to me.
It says 4.21.29
